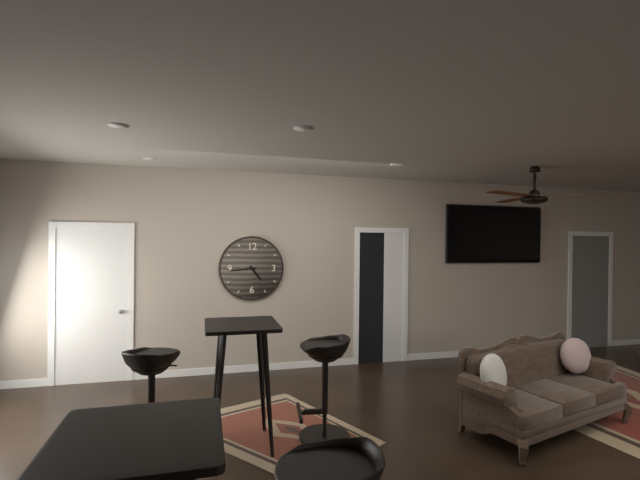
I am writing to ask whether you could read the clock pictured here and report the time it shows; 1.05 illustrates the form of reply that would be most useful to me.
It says 4.44
